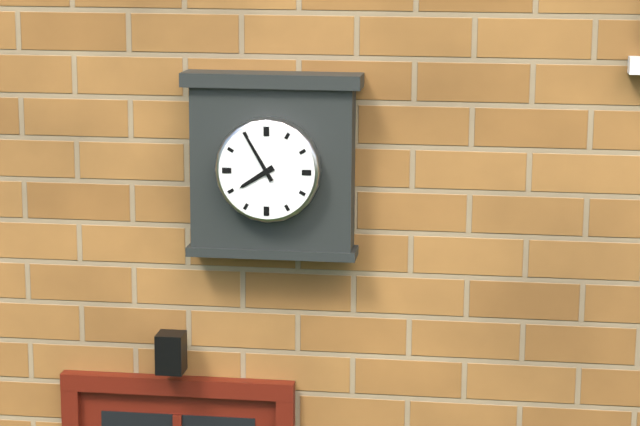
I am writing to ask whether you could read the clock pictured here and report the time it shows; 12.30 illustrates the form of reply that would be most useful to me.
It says 7.55
